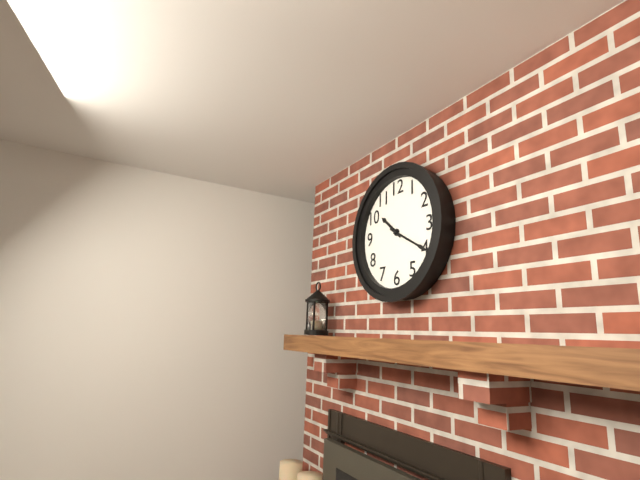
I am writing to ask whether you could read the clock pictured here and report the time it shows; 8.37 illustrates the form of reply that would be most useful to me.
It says 10.20
